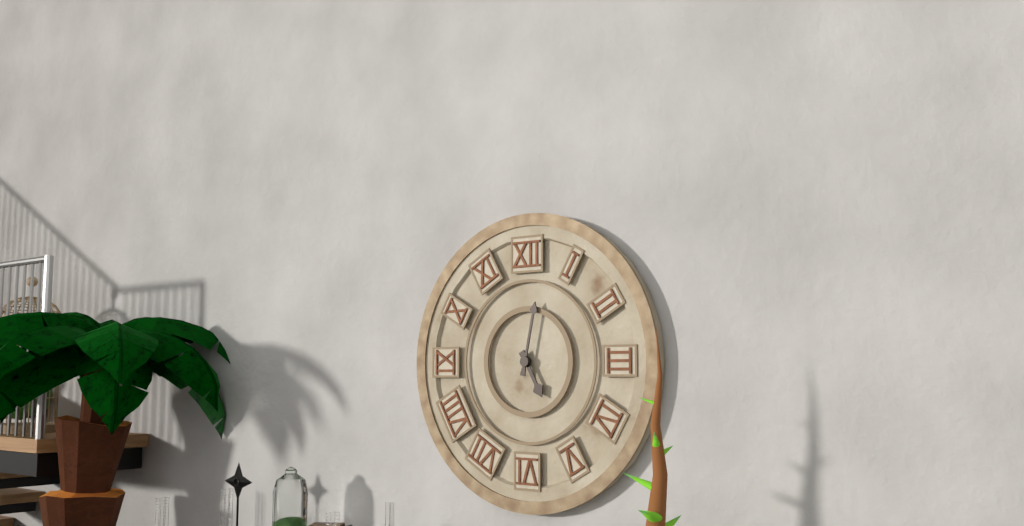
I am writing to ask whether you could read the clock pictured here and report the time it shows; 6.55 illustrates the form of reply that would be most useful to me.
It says 5.02
